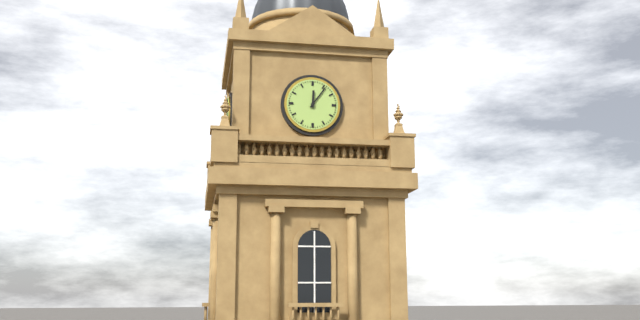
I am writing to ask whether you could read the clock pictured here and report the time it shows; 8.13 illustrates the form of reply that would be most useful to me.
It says 12.06
